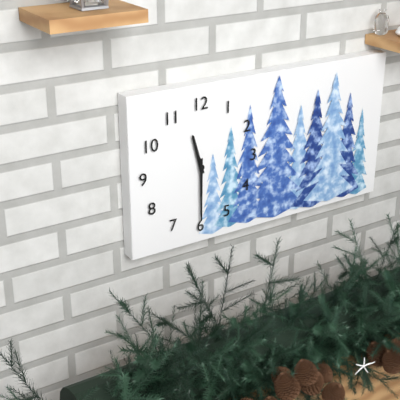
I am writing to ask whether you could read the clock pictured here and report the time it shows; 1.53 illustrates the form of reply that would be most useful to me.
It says 11.30
